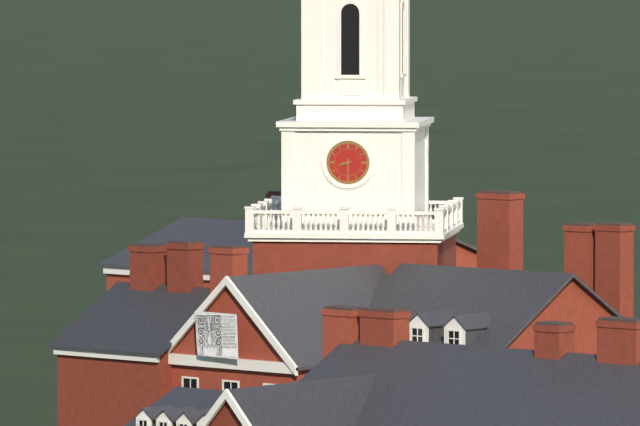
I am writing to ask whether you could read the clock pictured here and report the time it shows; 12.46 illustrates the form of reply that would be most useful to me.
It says 8.30
